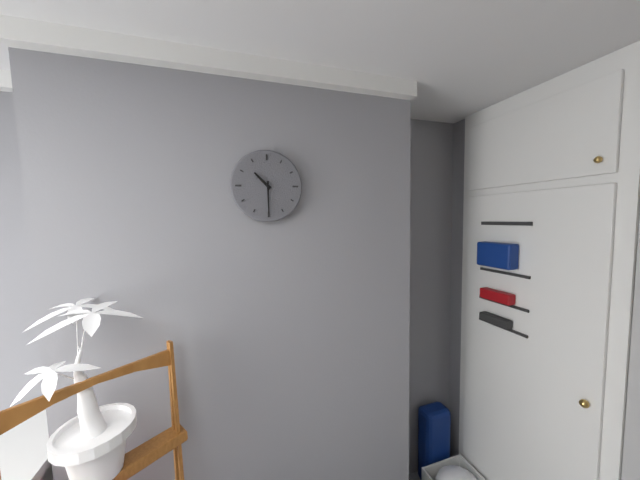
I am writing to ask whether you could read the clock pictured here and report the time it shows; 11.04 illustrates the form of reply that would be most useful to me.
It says 10.30
